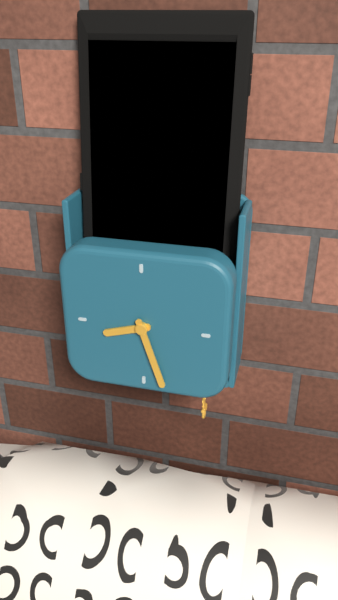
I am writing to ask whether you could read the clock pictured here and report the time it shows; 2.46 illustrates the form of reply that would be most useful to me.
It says 8.27
